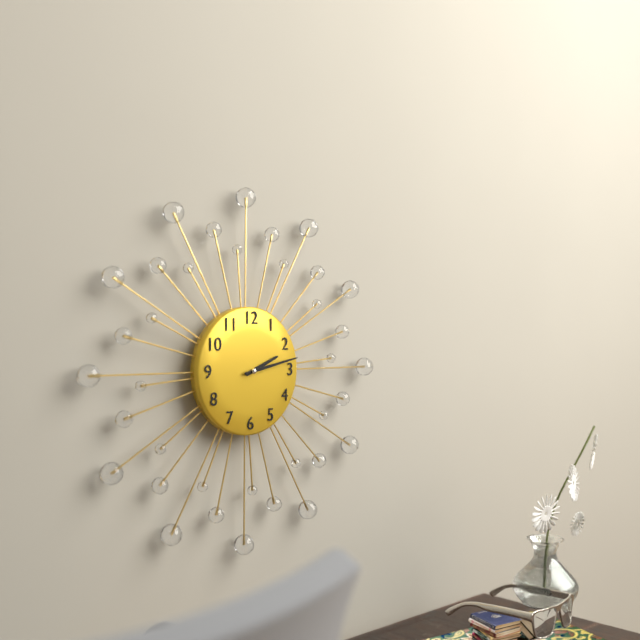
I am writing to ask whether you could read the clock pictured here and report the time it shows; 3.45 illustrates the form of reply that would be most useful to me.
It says 2.13
